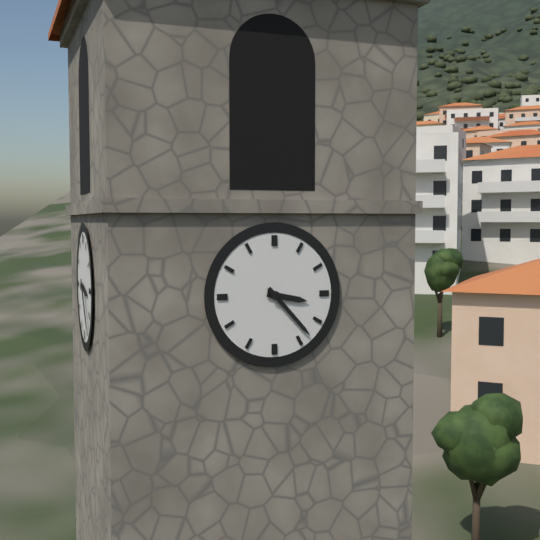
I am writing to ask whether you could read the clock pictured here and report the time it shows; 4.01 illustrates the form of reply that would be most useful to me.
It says 3.23
